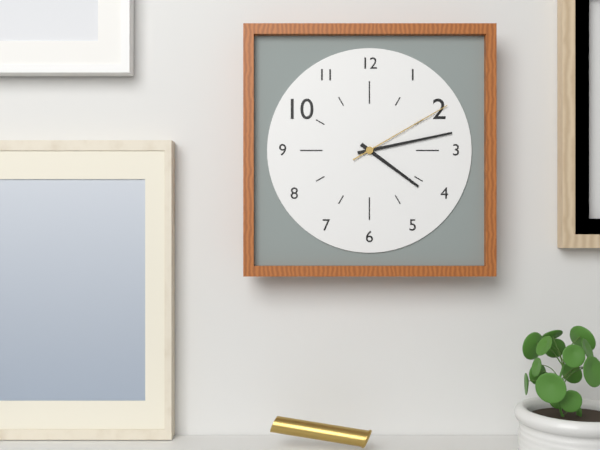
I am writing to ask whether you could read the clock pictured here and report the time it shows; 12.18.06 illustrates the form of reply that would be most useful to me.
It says 4.13.10
